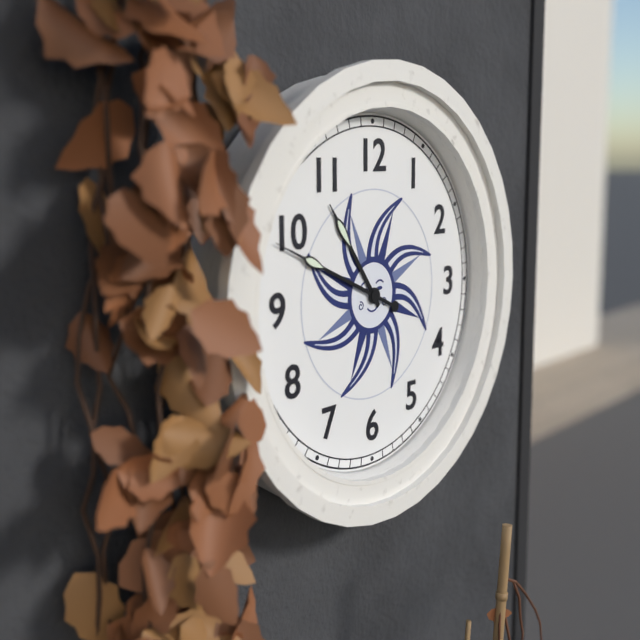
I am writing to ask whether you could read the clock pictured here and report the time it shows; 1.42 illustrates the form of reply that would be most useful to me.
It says 10.49
